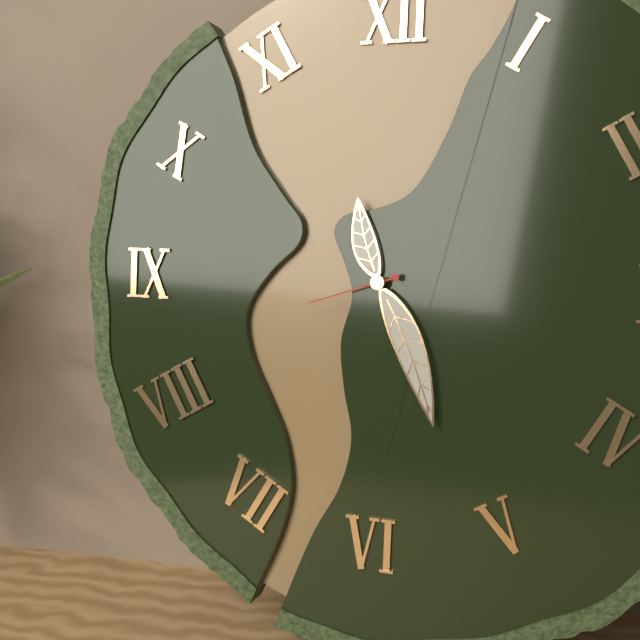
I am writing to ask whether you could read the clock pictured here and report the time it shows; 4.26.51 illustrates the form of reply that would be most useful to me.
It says 11.26.42
